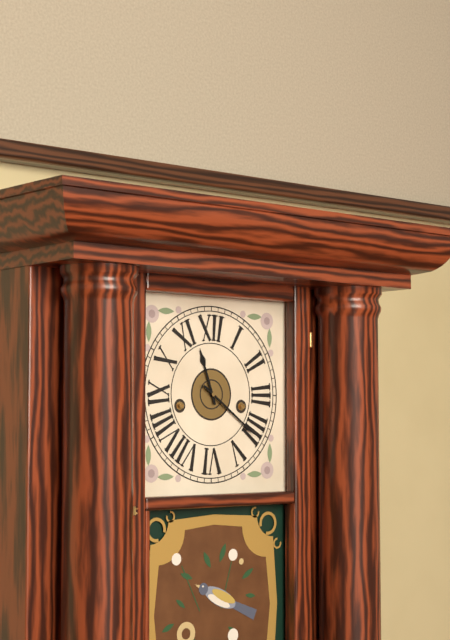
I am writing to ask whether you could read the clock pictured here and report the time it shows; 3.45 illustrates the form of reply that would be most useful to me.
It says 11.21
